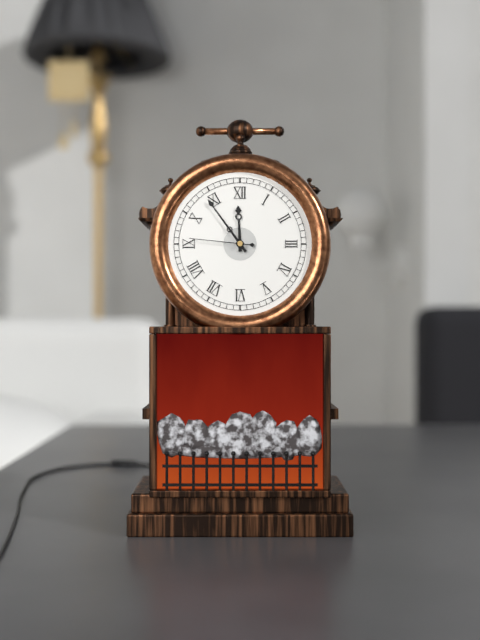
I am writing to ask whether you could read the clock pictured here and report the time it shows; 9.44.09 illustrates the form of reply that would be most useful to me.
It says 11.54.46
